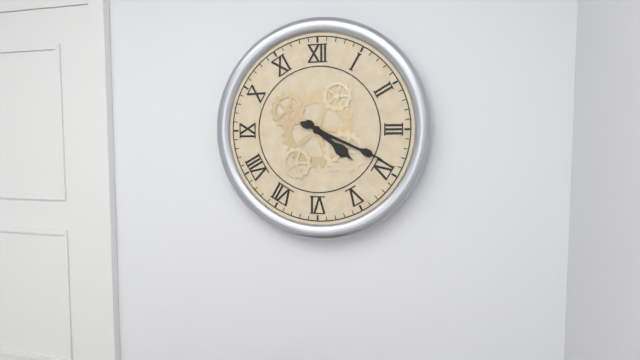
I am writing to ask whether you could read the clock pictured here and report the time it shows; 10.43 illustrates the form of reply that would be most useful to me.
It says 4.19
